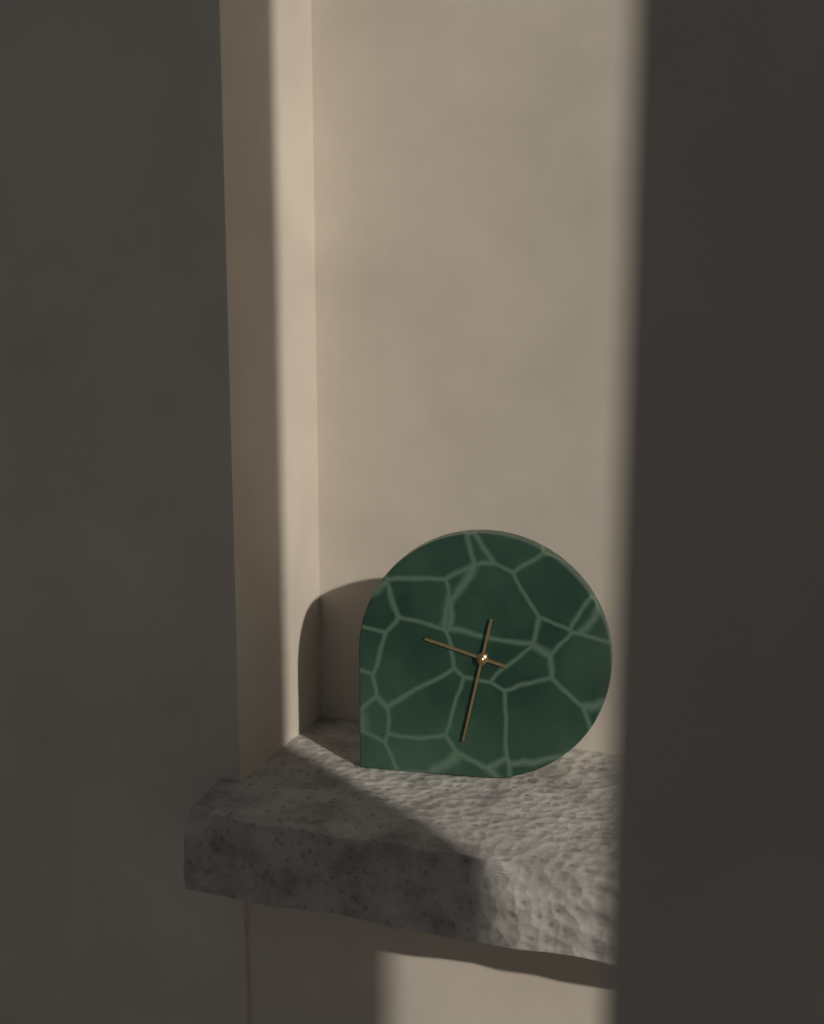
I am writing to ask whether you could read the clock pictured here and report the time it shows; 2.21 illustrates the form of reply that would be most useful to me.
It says 9.32
